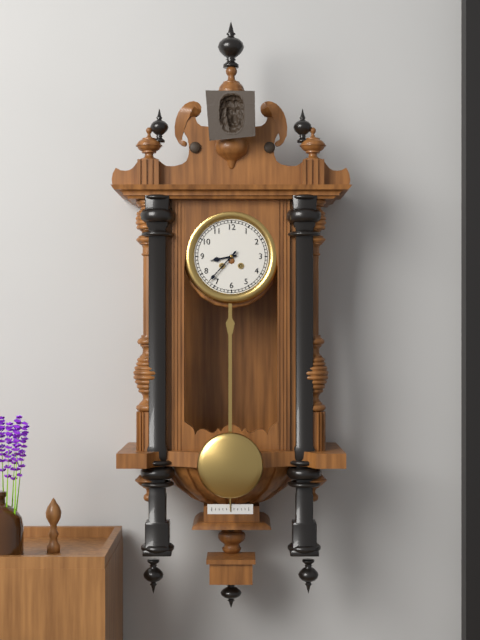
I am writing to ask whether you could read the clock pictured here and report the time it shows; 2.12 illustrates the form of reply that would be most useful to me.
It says 8.37
